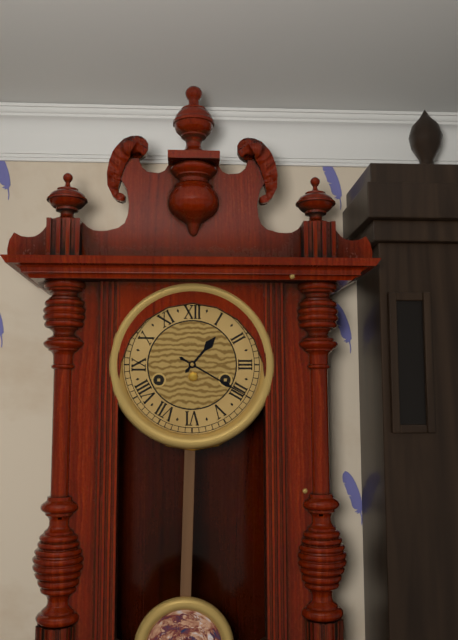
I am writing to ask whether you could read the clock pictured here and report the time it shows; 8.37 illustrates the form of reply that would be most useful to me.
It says 1.20
